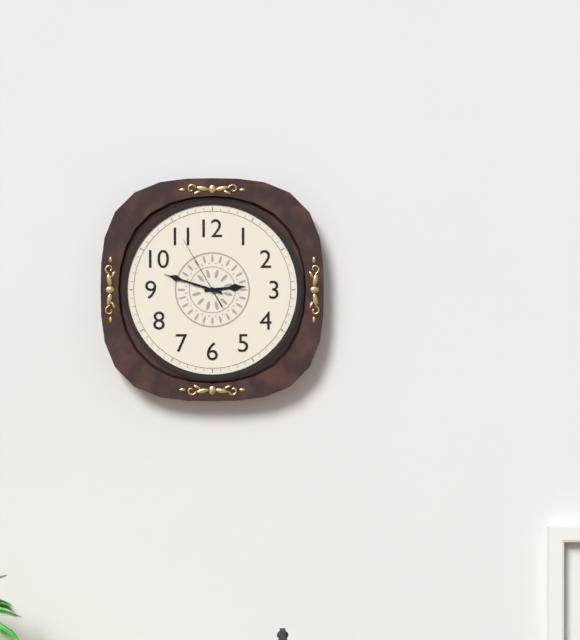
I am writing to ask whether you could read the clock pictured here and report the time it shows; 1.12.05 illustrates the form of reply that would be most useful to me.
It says 2.48.55
